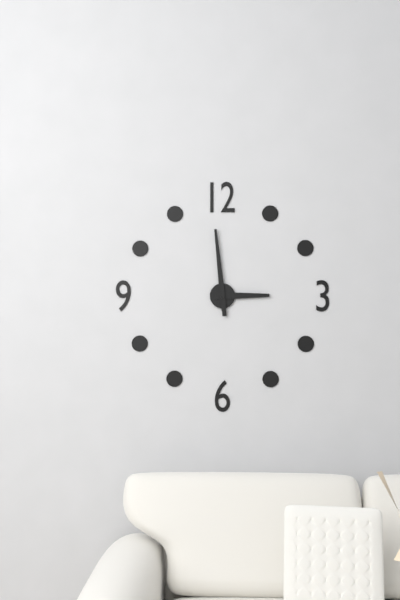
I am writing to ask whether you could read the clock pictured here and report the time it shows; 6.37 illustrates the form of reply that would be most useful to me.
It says 2.59
